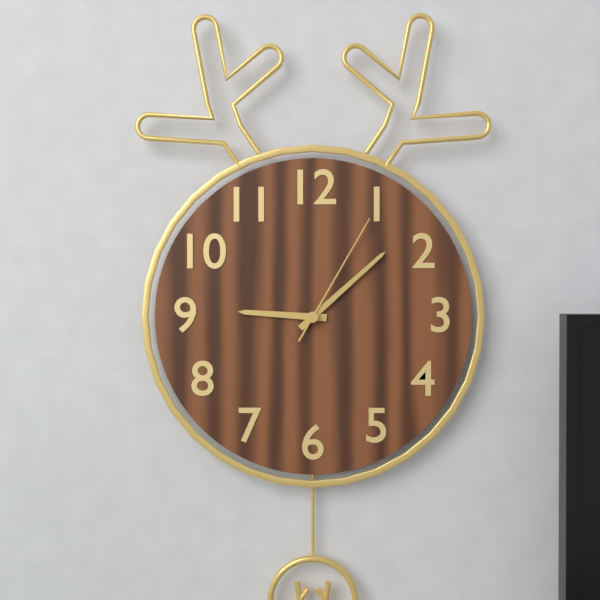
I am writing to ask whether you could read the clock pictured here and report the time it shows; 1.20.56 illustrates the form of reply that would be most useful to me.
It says 9.08.05
